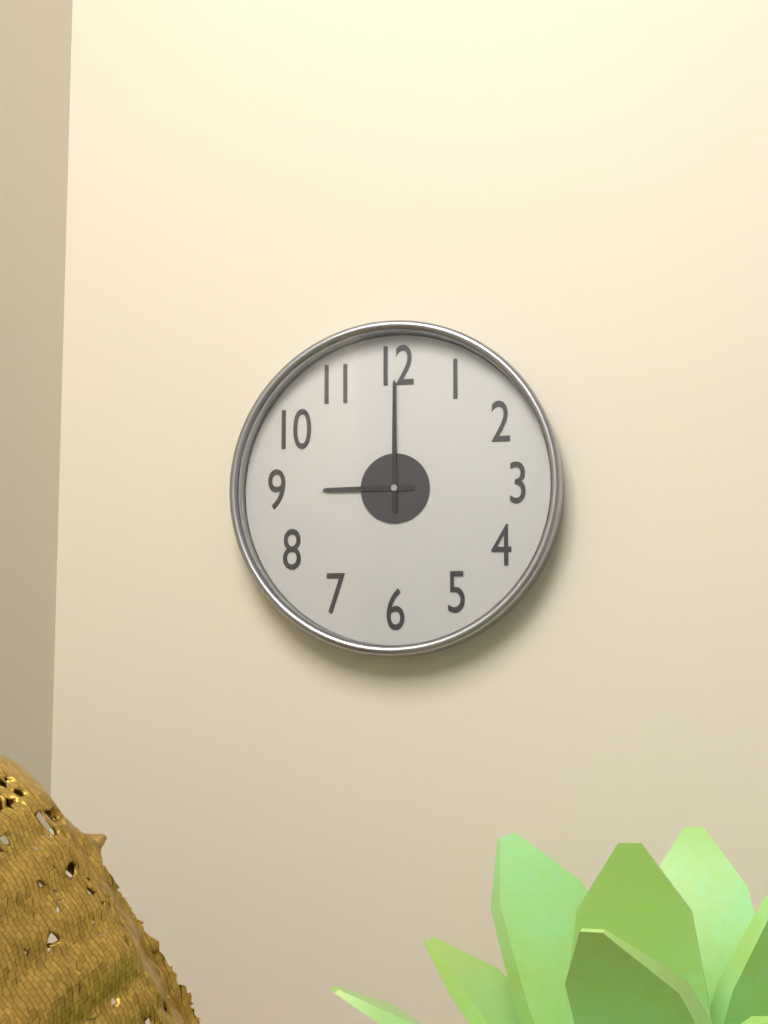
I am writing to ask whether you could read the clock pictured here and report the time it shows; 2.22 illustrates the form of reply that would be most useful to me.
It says 9.00
